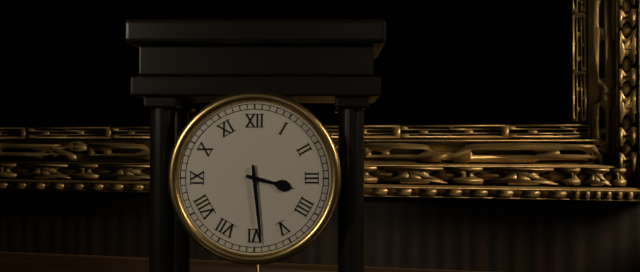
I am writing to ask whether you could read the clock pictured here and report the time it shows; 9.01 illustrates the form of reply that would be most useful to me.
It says 3.29
